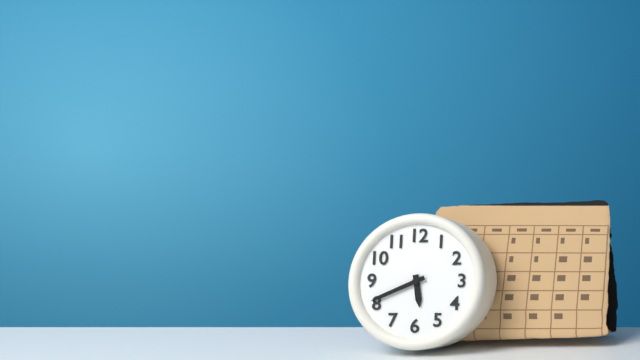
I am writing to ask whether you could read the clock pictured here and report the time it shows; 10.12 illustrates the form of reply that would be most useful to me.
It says 5.41
